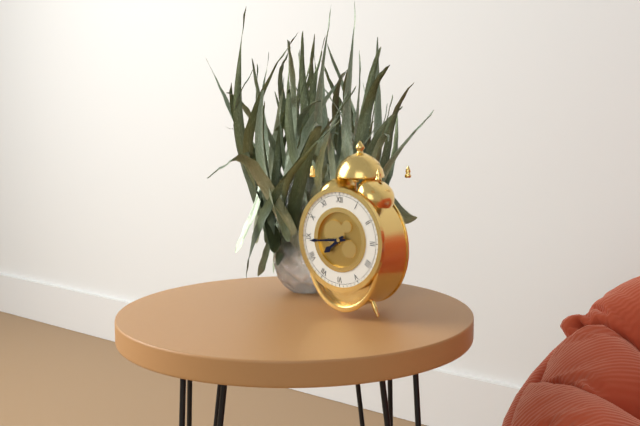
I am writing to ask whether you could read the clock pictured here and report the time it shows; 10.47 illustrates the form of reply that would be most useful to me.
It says 7.44
